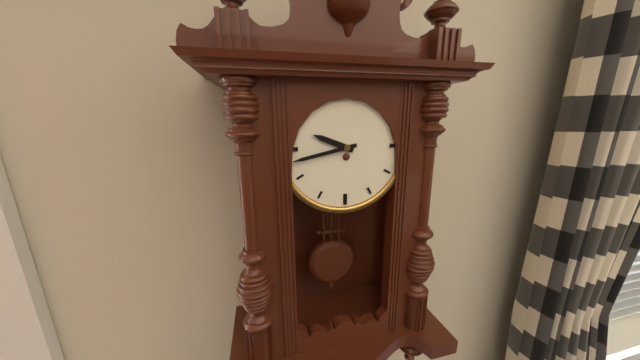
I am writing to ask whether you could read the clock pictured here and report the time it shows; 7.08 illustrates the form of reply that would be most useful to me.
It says 9.43
